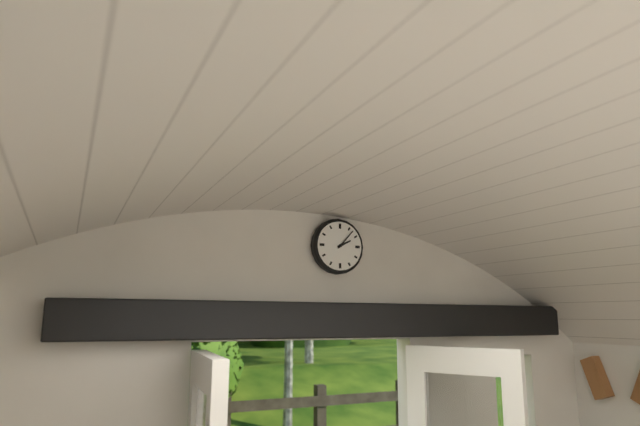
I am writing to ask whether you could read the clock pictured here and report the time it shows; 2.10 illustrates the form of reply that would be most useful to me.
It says 2.07
